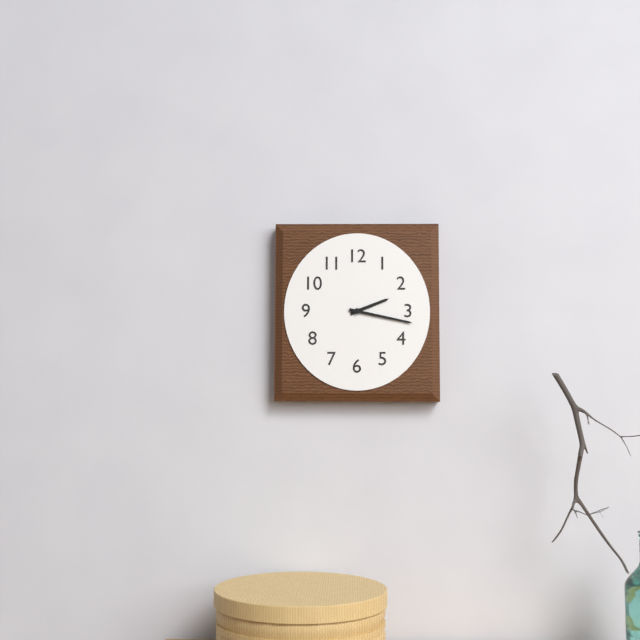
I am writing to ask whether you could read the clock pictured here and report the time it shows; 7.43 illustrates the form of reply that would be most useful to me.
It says 2.17
